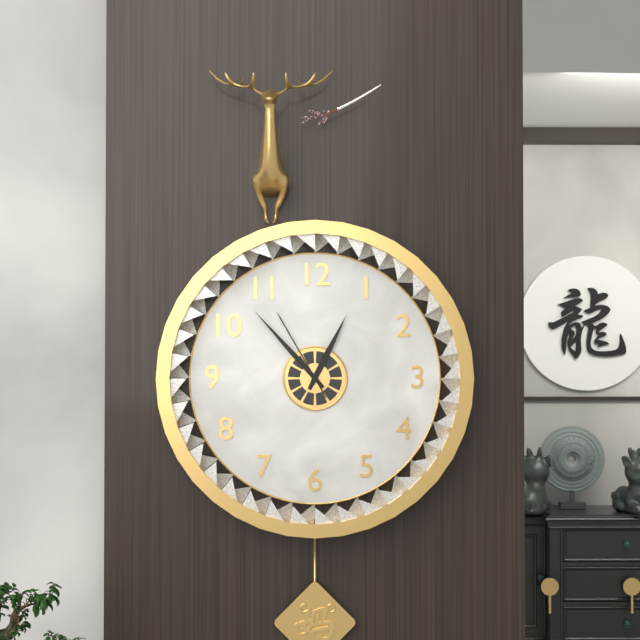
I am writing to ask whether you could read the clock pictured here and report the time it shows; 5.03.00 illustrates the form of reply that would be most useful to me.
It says 12.53.55
